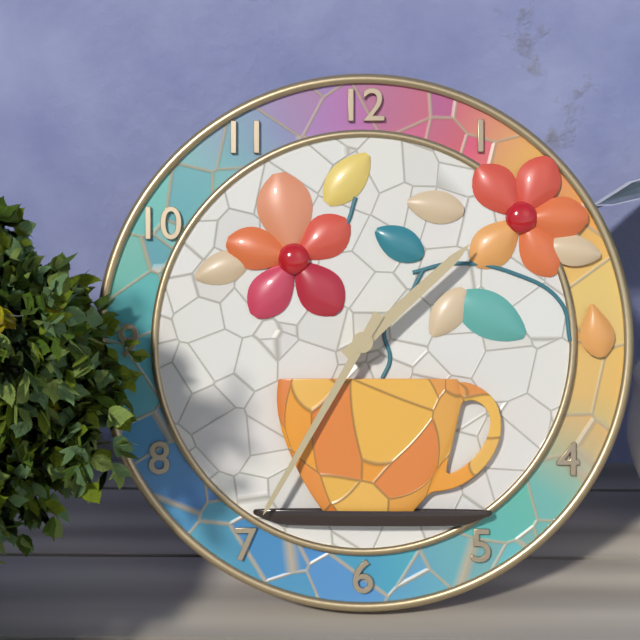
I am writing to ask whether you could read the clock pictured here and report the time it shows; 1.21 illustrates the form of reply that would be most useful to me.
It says 1.35
